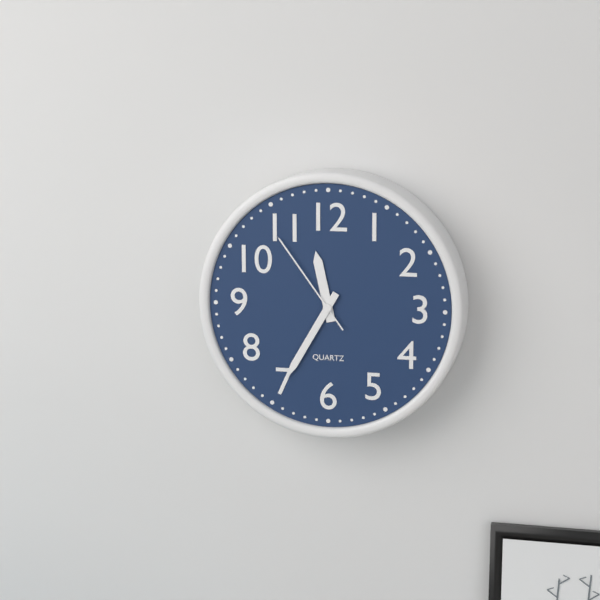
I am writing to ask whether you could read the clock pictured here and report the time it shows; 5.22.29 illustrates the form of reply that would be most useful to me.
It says 11.35.54
